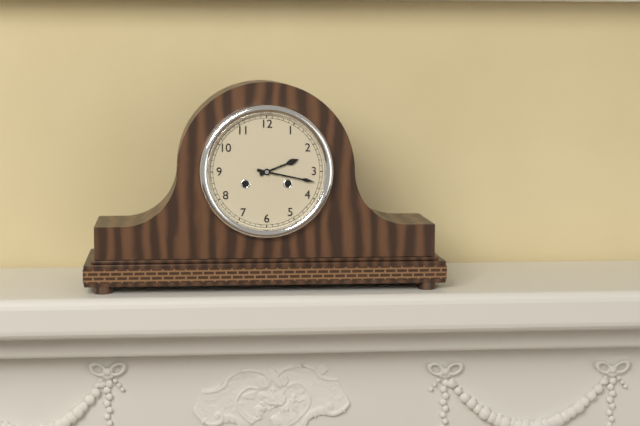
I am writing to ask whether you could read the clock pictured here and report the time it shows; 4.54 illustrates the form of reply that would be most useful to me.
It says 2.17
